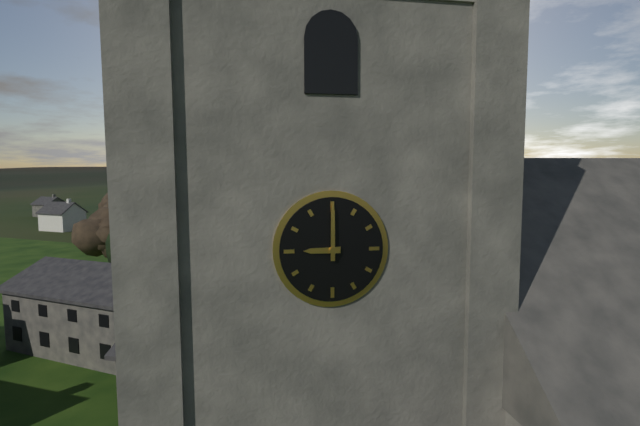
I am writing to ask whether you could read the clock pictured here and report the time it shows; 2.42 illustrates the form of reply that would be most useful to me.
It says 9.00
